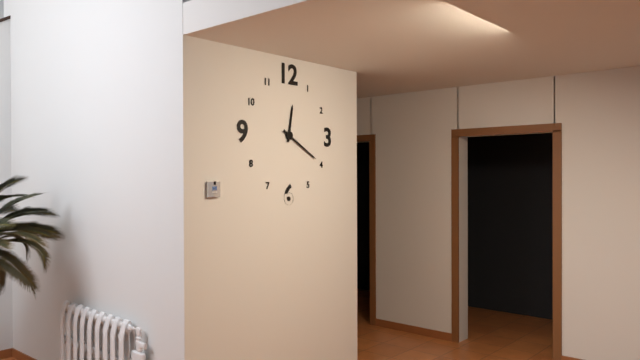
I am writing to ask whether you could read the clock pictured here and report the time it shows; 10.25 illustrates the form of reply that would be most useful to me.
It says 12.20
